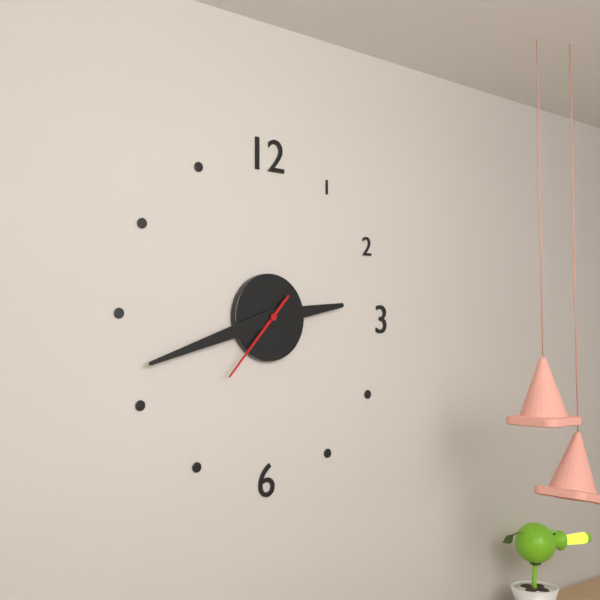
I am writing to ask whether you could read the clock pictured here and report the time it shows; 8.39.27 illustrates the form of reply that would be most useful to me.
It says 2.42.37
